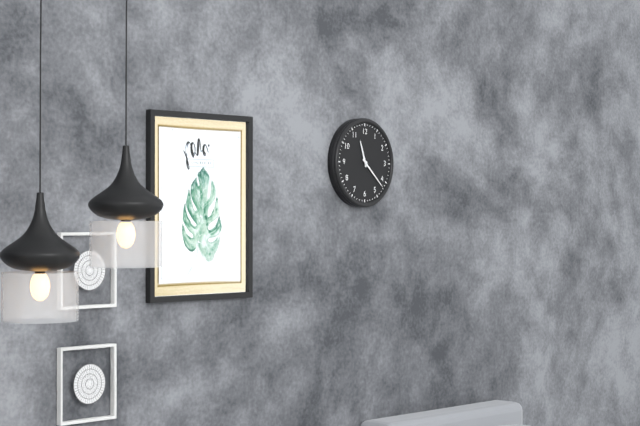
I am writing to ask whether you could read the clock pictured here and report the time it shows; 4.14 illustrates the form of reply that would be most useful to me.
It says 11.22
